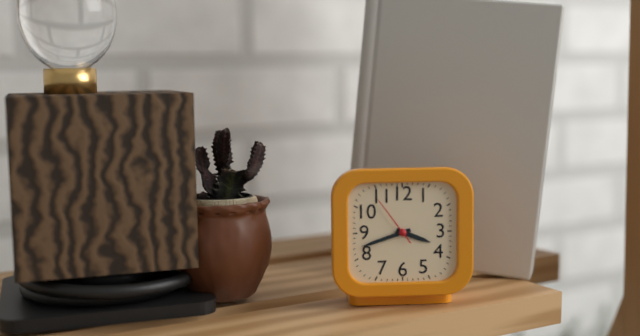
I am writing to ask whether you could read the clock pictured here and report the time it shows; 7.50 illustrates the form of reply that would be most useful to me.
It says 3.42
